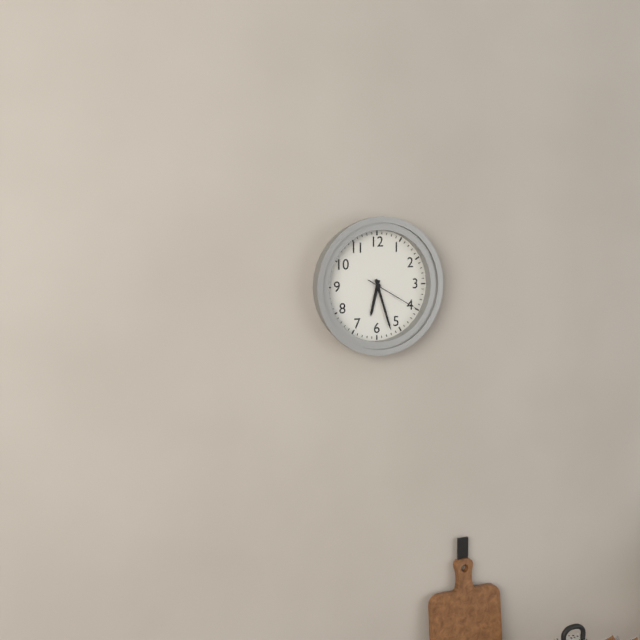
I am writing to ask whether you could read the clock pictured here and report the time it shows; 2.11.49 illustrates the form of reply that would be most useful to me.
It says 6.27.20
